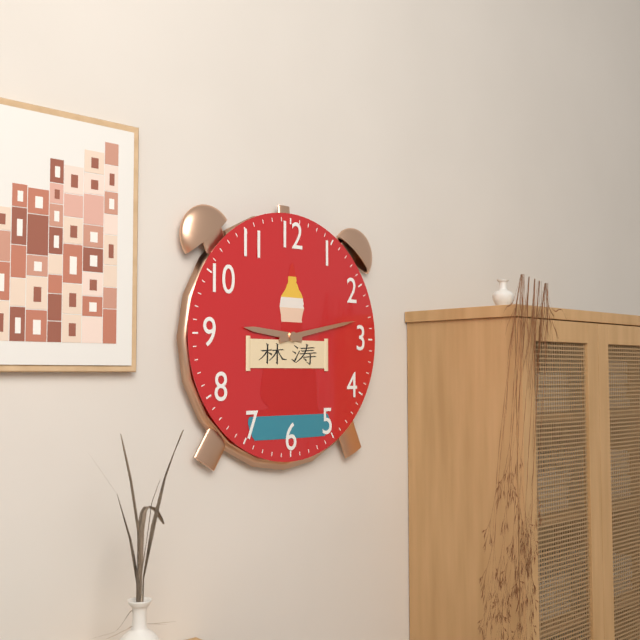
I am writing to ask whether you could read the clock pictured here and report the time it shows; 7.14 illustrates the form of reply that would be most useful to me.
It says 9.13
